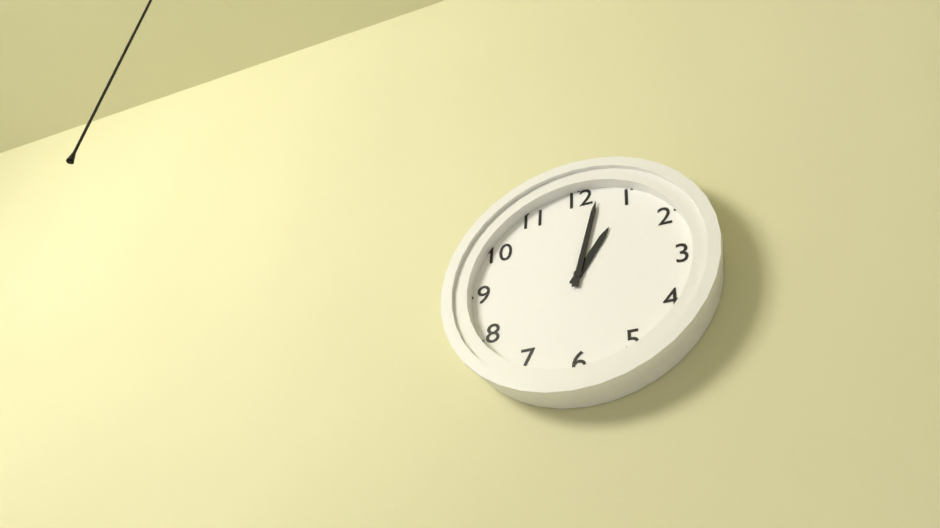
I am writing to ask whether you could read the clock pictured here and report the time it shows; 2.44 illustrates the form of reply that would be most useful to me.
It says 1.02
